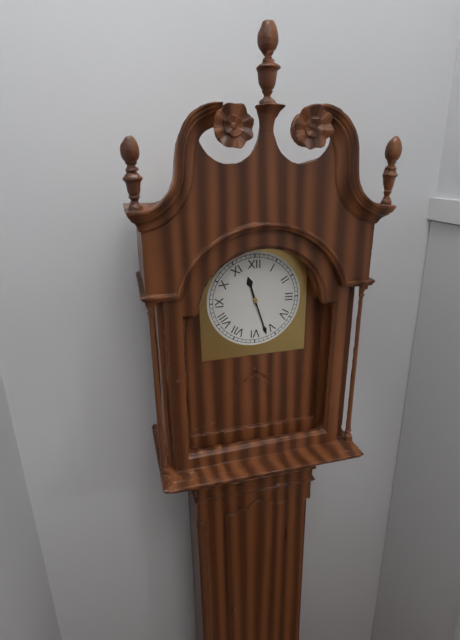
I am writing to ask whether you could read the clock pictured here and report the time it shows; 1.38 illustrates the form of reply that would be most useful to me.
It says 11.27
